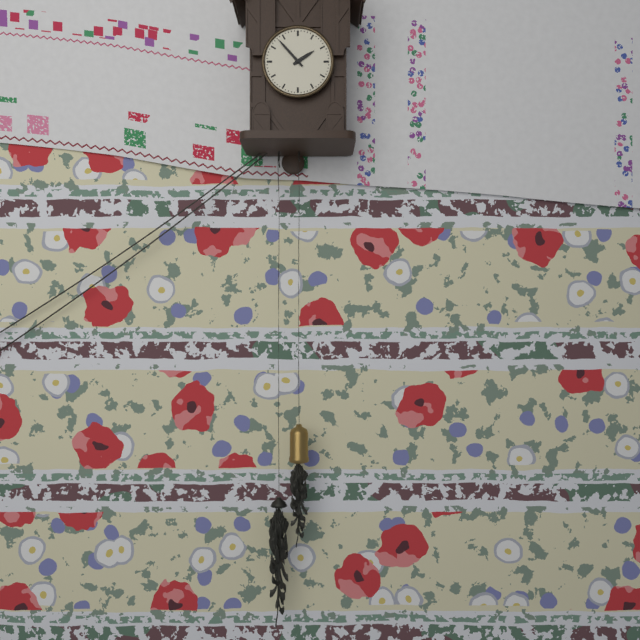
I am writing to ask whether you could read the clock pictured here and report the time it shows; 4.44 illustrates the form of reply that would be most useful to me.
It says 1.53
